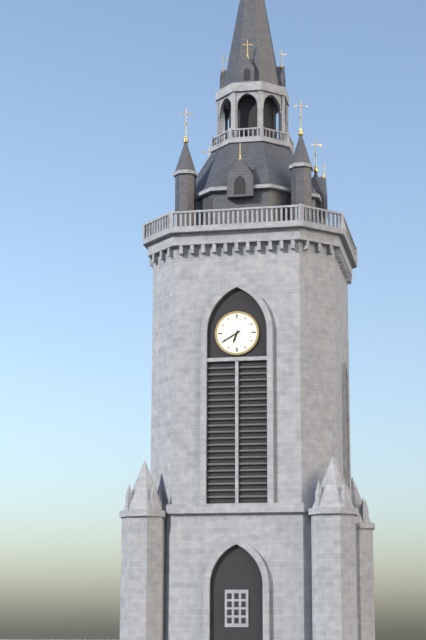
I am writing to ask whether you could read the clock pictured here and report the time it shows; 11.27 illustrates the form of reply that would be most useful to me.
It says 6.40
